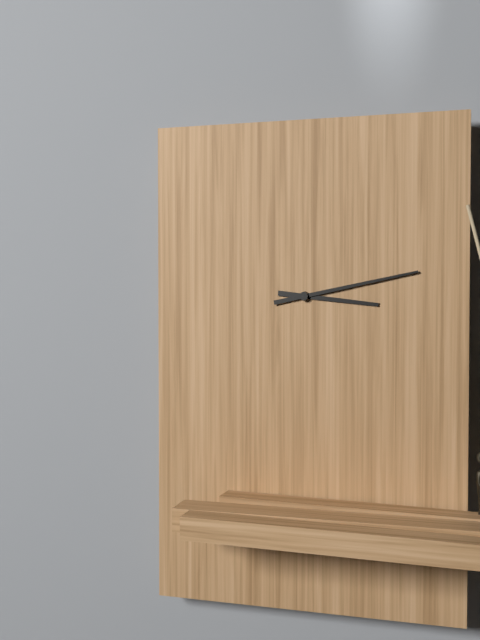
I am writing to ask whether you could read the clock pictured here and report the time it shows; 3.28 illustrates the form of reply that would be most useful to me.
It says 3.13
